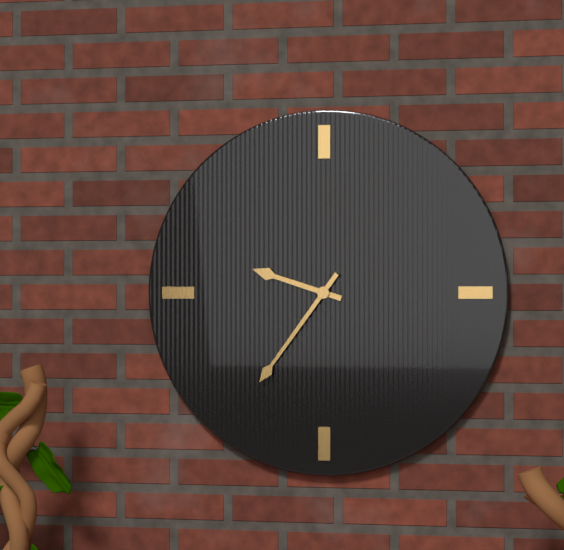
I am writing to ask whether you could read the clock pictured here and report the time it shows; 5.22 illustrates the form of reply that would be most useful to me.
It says 9.36
